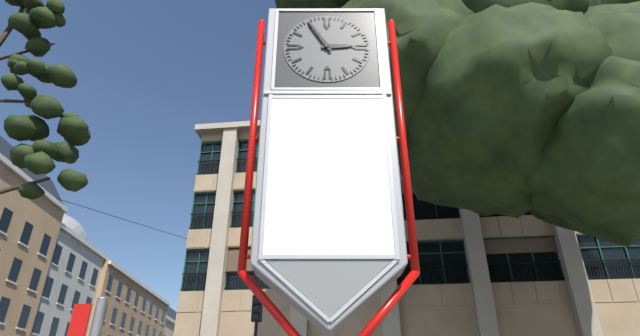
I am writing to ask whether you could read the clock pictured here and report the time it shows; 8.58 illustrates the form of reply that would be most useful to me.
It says 2.55
